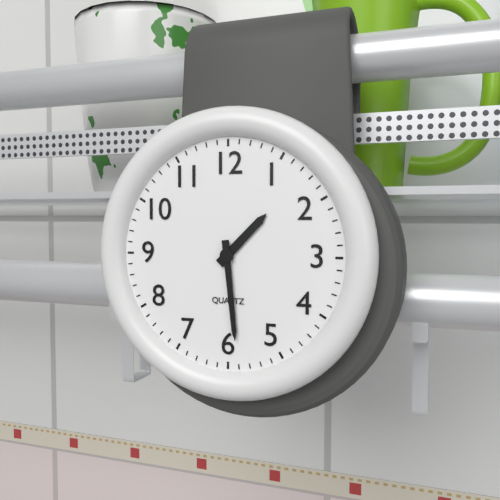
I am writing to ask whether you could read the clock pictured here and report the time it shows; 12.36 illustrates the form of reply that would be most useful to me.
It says 1.29
